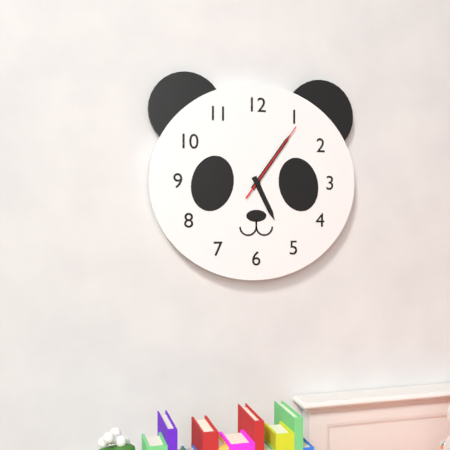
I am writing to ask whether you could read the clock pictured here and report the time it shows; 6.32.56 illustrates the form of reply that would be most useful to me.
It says 5.06.06
